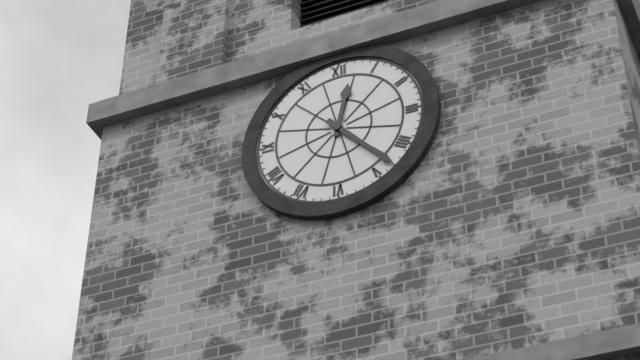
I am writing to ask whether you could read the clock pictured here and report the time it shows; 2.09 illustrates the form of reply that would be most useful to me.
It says 12.23
